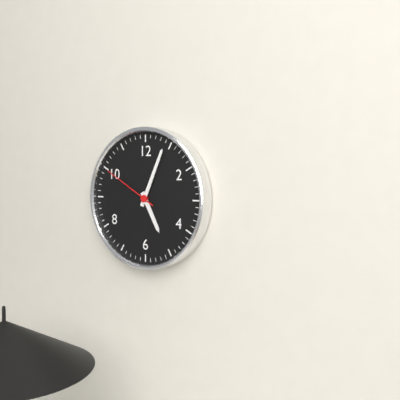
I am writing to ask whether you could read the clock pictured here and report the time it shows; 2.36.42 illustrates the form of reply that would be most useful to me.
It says 5.04.50
